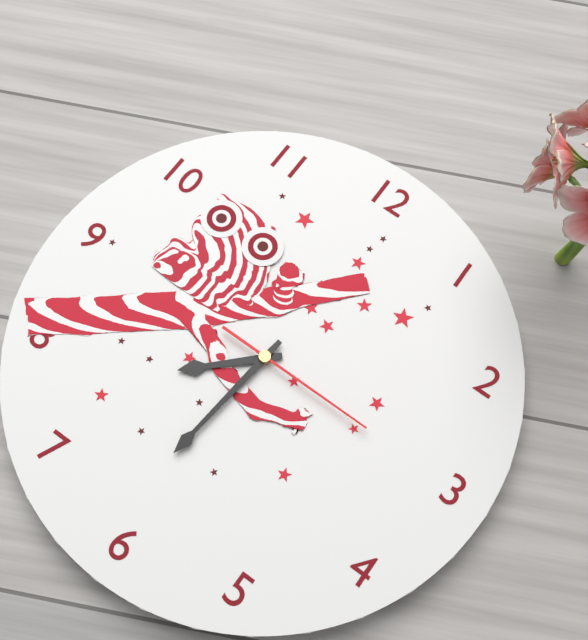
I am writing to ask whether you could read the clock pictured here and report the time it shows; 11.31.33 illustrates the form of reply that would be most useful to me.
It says 7.31.15
